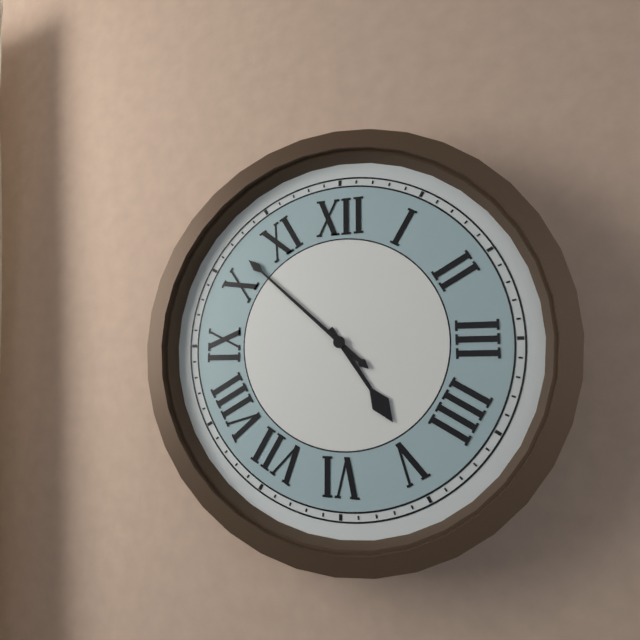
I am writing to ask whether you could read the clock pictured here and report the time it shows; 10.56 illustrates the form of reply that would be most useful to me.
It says 4.52
